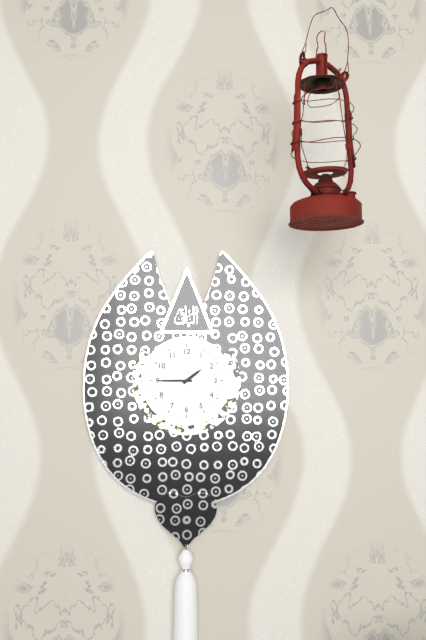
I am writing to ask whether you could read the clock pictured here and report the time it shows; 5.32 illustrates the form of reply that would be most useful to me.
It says 1.45
